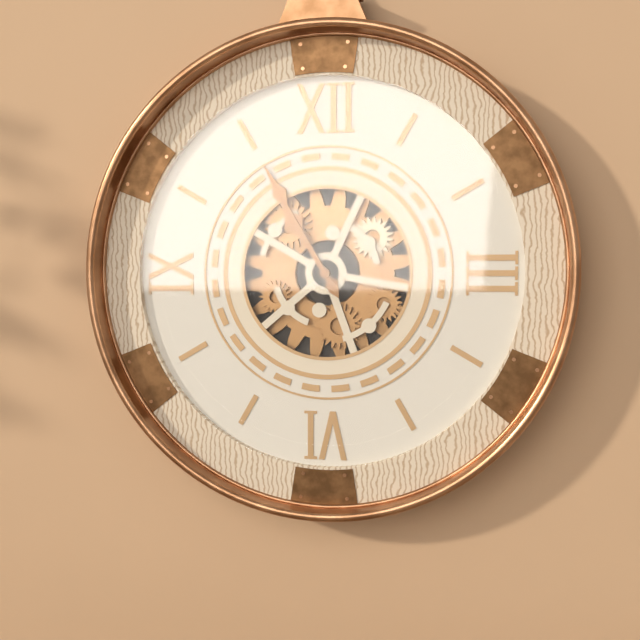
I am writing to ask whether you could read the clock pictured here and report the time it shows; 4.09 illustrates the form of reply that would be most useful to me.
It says 10.55
